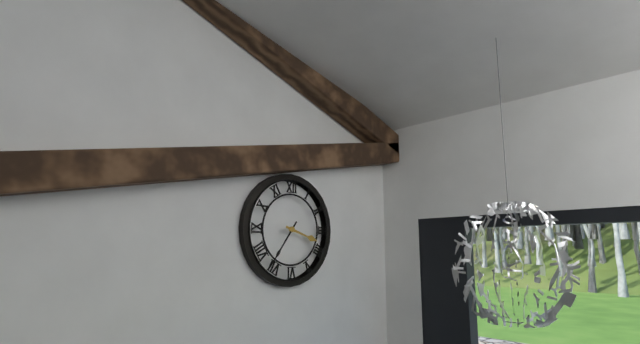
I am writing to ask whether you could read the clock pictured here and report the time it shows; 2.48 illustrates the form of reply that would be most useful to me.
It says 3.36
